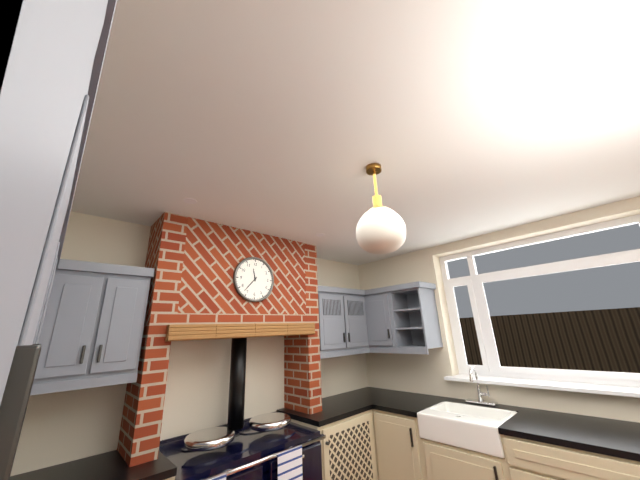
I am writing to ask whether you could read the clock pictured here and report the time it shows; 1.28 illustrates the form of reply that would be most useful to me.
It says 11.37
